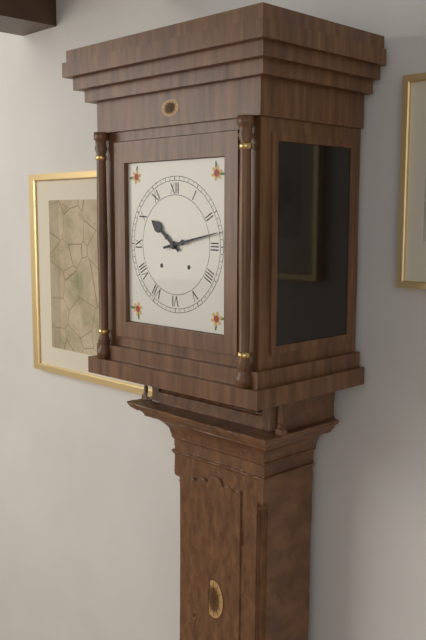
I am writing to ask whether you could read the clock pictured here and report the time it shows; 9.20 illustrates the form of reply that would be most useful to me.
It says 10.13
